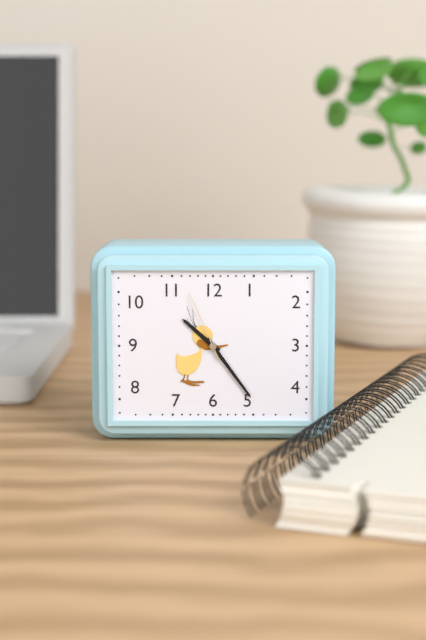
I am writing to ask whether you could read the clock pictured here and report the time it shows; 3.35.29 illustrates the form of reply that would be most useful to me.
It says 10.24.56
